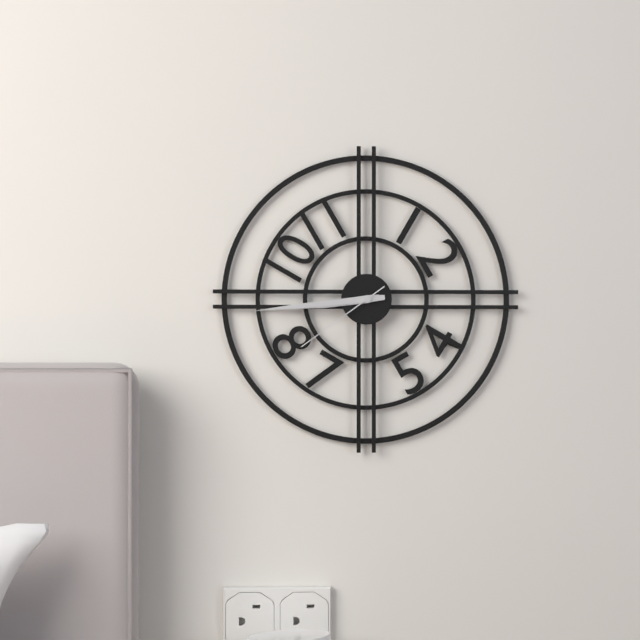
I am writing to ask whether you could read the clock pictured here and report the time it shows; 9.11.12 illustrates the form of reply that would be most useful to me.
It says 8.44.39
